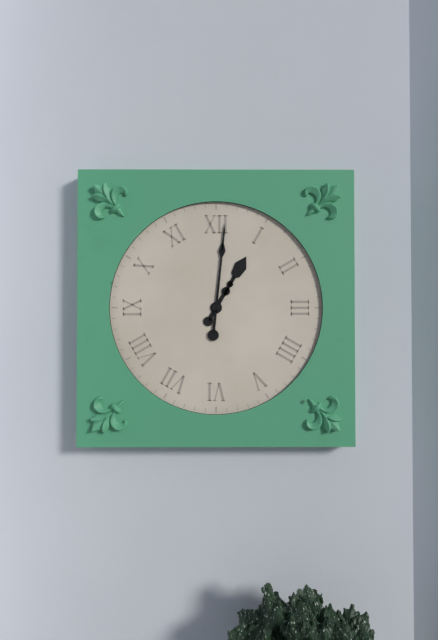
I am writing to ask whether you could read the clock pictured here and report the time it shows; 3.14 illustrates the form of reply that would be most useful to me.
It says 1.01
